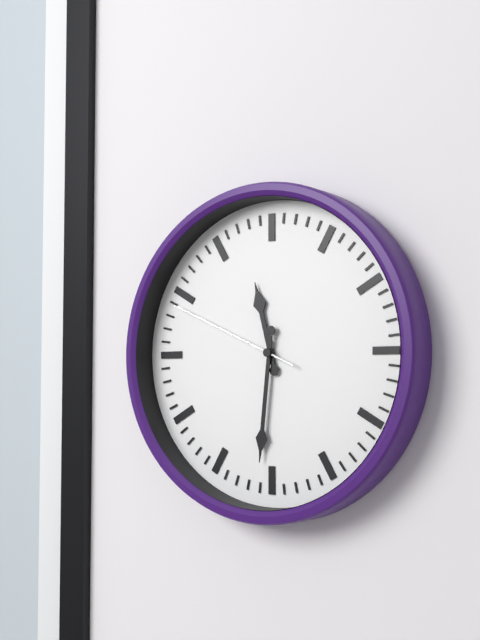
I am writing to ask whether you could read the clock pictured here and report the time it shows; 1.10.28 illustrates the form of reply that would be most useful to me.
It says 11.31.49
